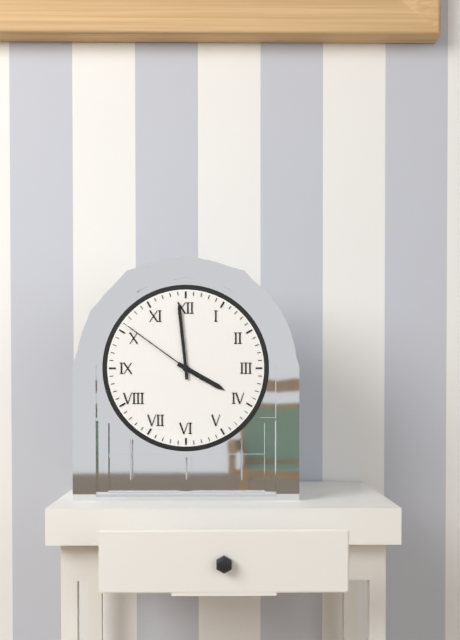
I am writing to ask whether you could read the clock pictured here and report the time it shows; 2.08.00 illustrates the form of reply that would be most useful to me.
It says 3.59.51
